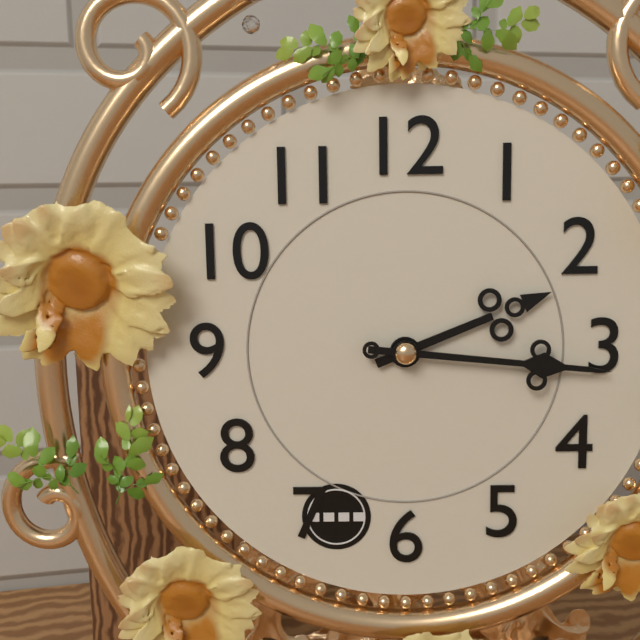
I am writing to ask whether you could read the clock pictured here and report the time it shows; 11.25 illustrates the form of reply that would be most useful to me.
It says 2.16
